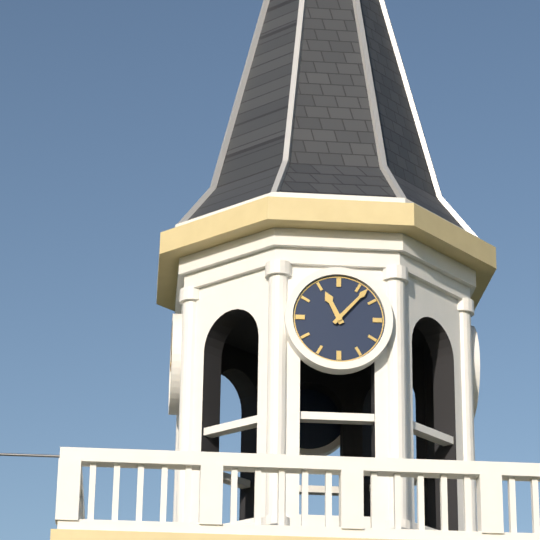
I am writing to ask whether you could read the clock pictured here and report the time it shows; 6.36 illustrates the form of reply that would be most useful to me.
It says 11.07
